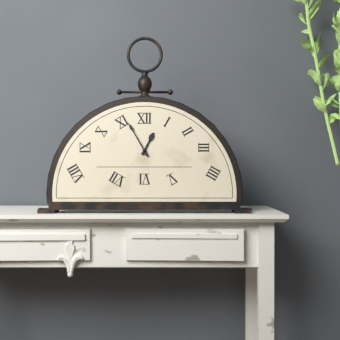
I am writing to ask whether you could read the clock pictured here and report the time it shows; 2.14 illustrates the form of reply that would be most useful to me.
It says 12.55
